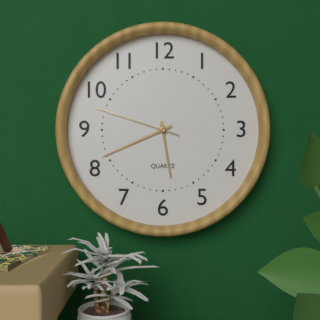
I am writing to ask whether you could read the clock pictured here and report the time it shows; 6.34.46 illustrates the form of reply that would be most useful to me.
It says 5.41.48
